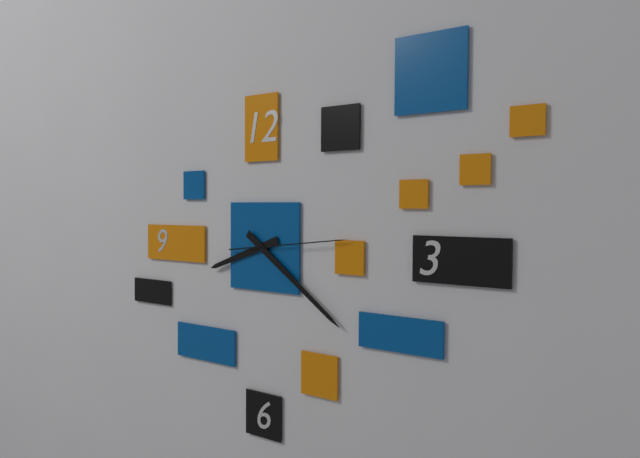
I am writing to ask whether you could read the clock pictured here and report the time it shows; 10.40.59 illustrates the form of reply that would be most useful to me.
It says 8.21.14
